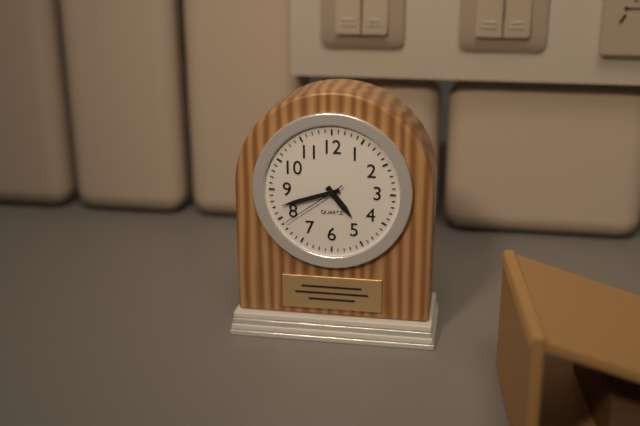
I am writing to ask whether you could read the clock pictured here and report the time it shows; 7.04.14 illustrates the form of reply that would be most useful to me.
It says 4.42.39
